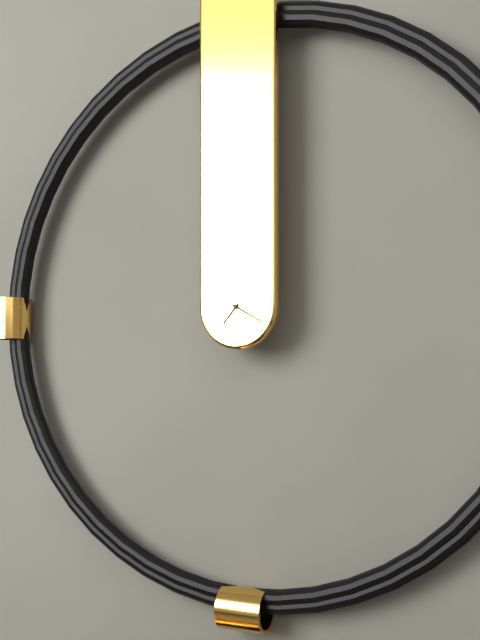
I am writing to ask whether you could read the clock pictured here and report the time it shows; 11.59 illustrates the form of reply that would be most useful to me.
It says 7.20
